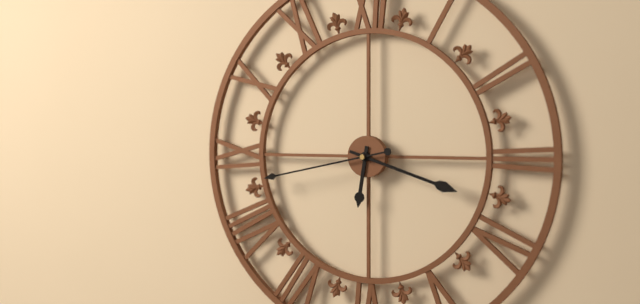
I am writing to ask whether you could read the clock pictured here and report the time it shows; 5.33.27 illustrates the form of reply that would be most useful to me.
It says 6.18.43
